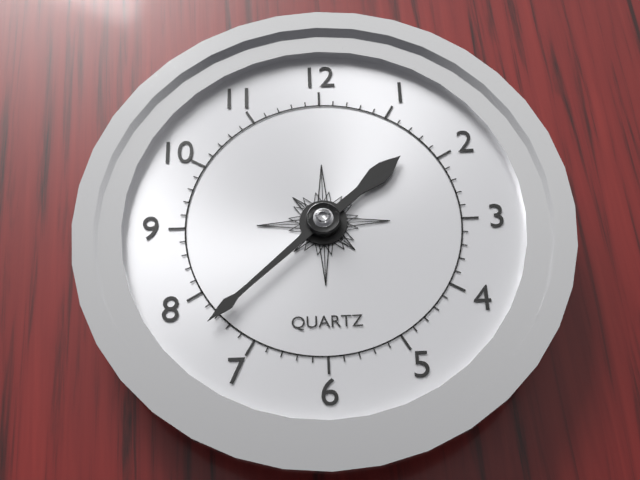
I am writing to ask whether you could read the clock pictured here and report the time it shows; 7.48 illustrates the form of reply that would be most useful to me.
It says 1.38
